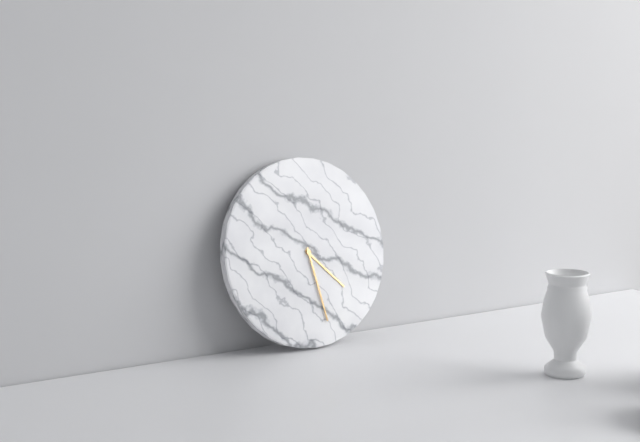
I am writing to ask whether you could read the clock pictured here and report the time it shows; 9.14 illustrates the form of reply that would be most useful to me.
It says 4.28
